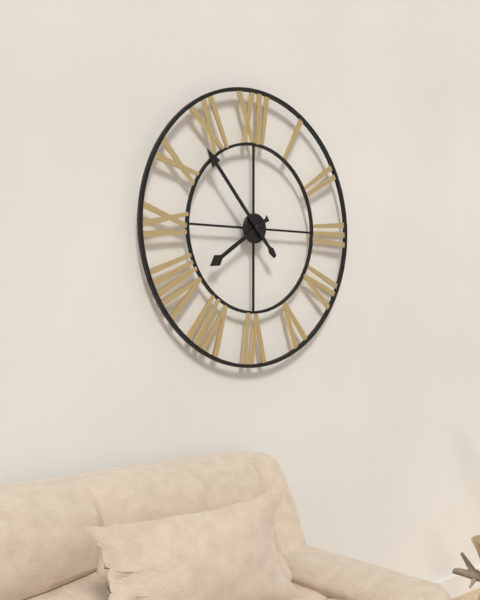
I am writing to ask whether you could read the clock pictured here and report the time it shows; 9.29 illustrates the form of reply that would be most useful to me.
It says 7.53
